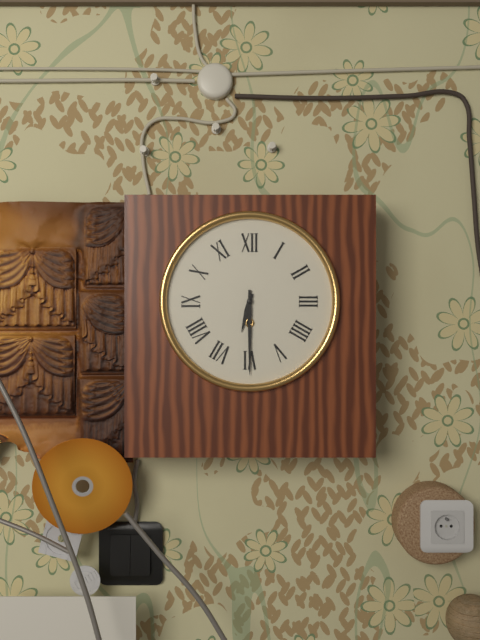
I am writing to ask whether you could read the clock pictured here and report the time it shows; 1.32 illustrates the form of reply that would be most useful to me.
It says 6.30
